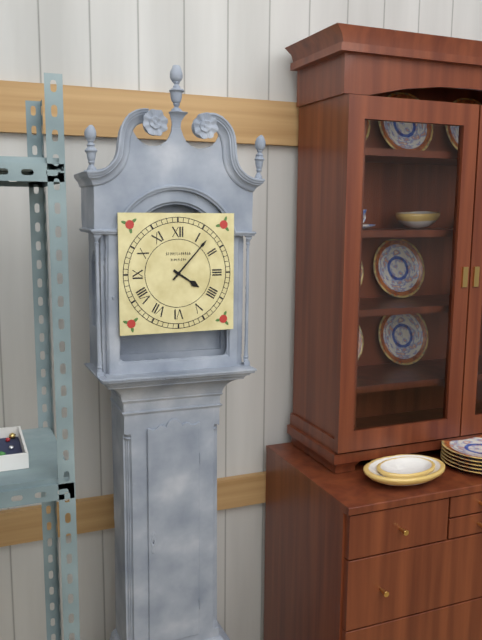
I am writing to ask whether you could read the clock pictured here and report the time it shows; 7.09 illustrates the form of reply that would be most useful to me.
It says 4.07
